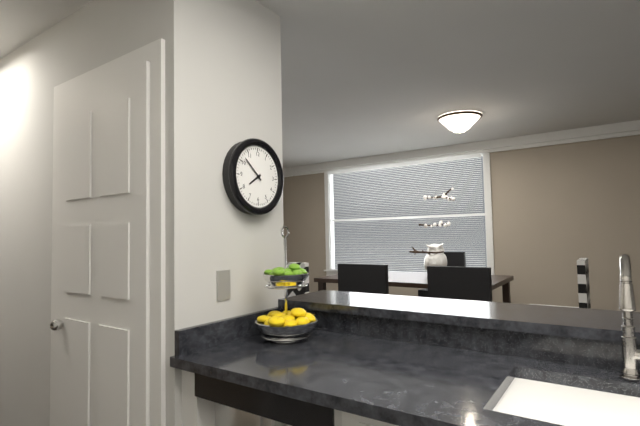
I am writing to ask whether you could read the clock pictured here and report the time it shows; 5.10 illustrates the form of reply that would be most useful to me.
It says 7.52
